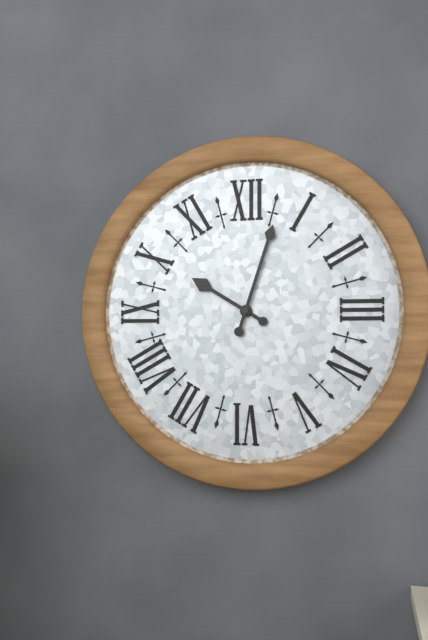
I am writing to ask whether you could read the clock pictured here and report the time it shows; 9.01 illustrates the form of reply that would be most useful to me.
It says 10.03
